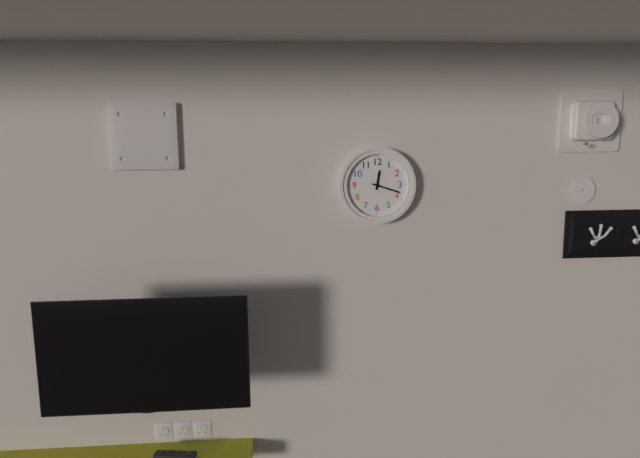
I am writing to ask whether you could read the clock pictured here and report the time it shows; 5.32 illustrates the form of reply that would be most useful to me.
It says 12.18
